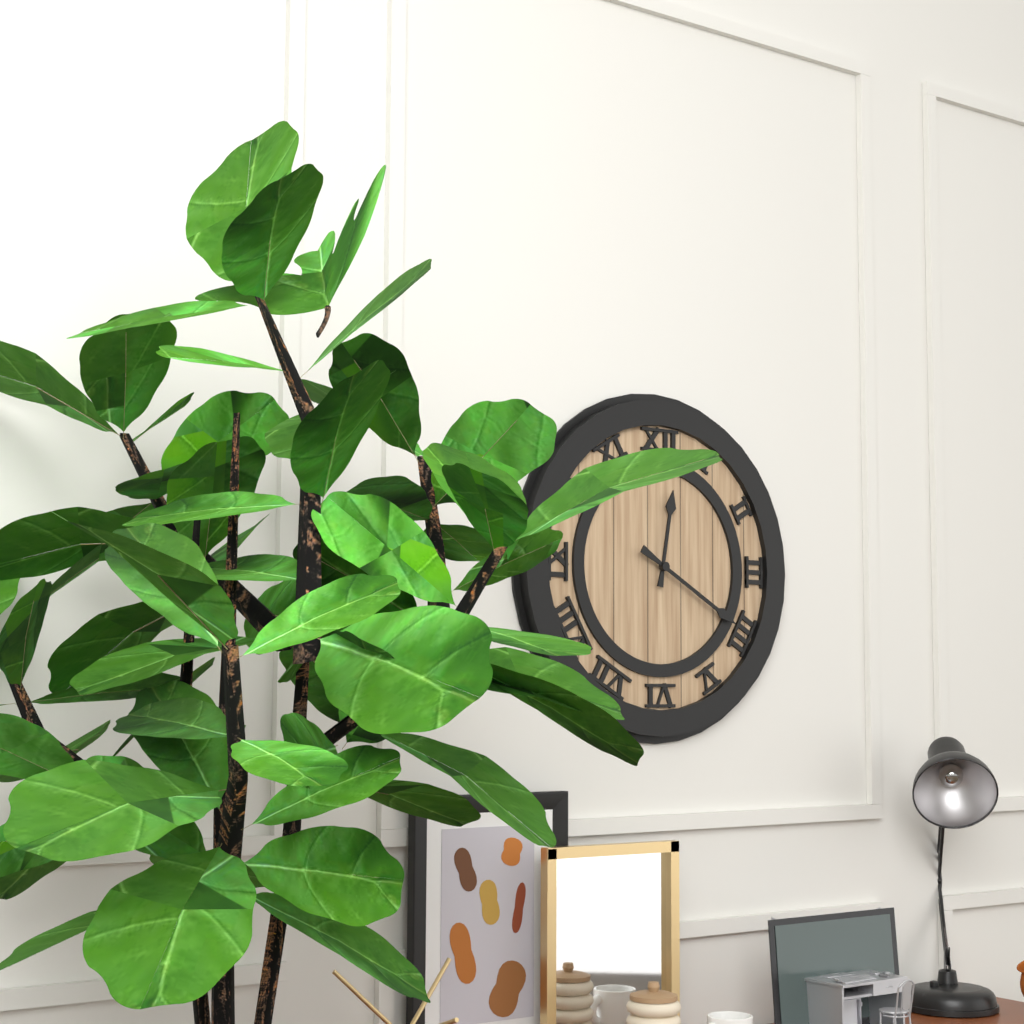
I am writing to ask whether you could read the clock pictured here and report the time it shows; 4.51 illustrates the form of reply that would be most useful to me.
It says 12.20
